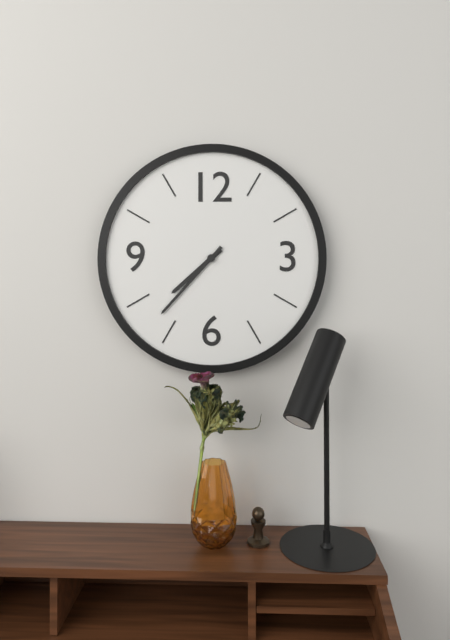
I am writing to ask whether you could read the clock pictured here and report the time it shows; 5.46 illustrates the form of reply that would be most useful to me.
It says 7.37
